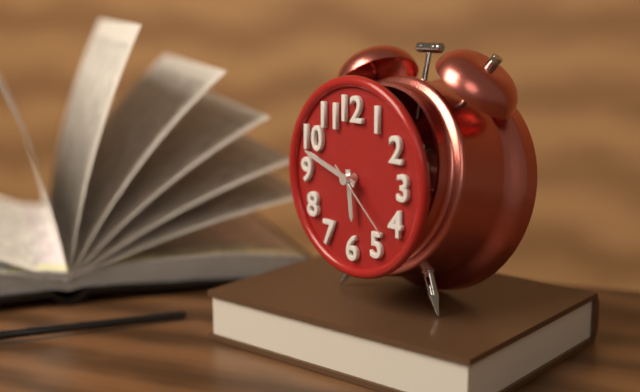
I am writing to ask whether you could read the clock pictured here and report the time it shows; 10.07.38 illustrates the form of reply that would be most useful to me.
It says 5.48.22
